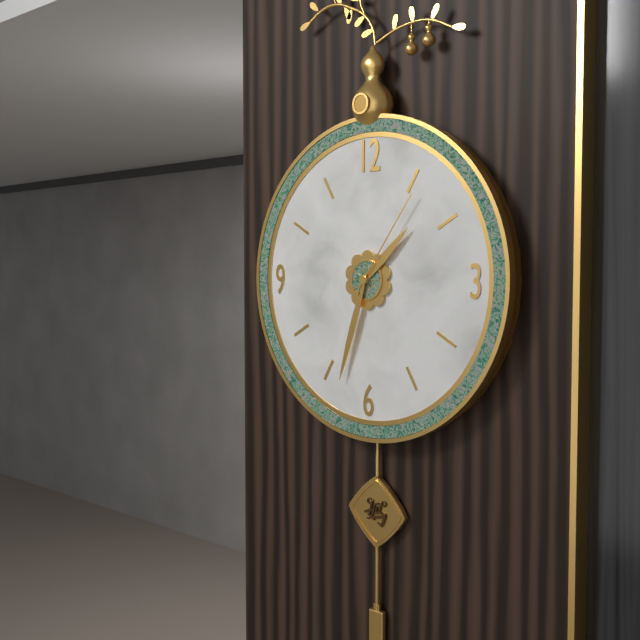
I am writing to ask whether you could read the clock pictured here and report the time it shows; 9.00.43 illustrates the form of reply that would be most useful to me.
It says 1.33.06
